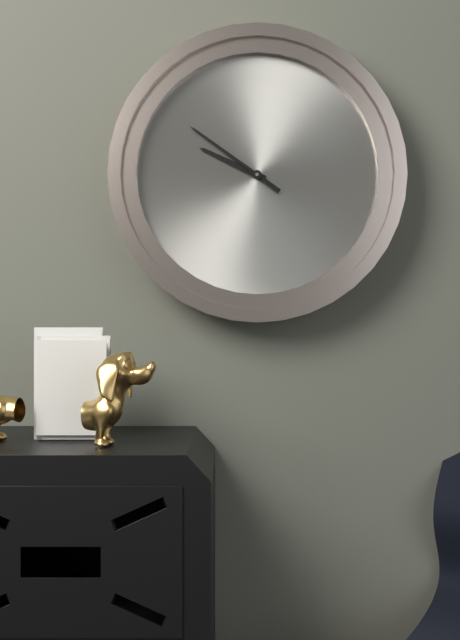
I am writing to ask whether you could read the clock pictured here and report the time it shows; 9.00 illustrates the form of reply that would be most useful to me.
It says 9.51
